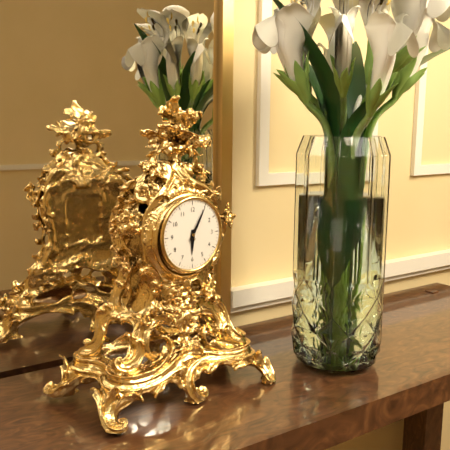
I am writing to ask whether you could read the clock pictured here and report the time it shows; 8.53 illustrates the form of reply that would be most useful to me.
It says 6.05
